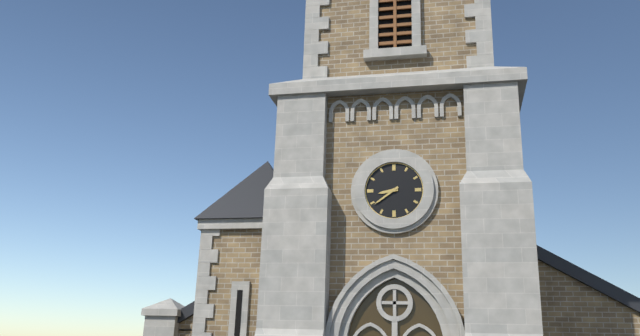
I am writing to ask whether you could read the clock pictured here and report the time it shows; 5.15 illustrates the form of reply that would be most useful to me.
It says 8.39
